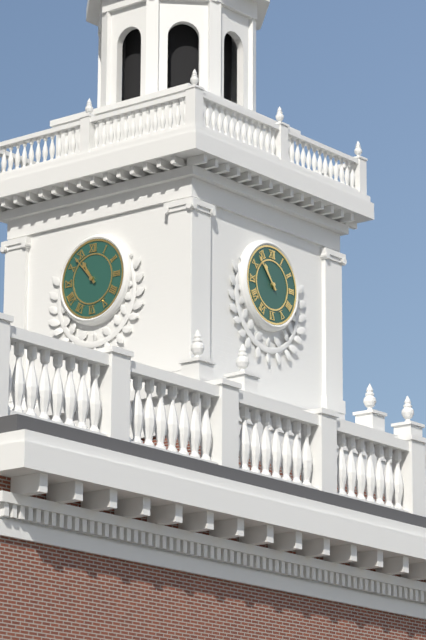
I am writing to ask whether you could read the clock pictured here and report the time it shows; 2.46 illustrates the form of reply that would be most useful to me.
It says 10.53
